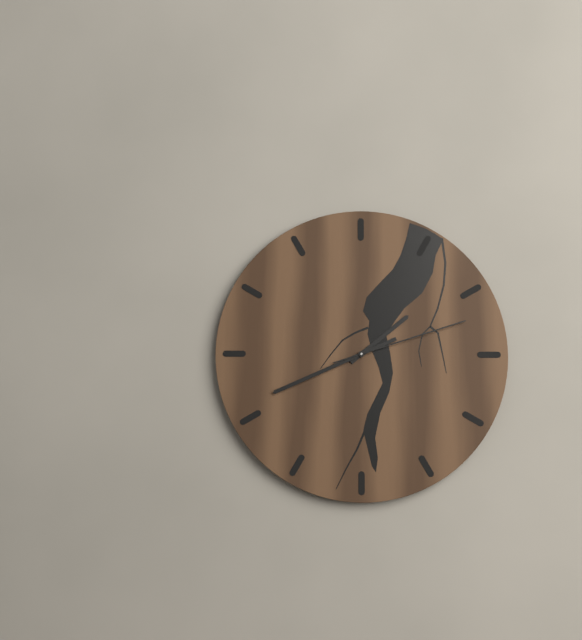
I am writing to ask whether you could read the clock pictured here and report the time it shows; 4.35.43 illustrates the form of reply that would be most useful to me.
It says 1.41.12
